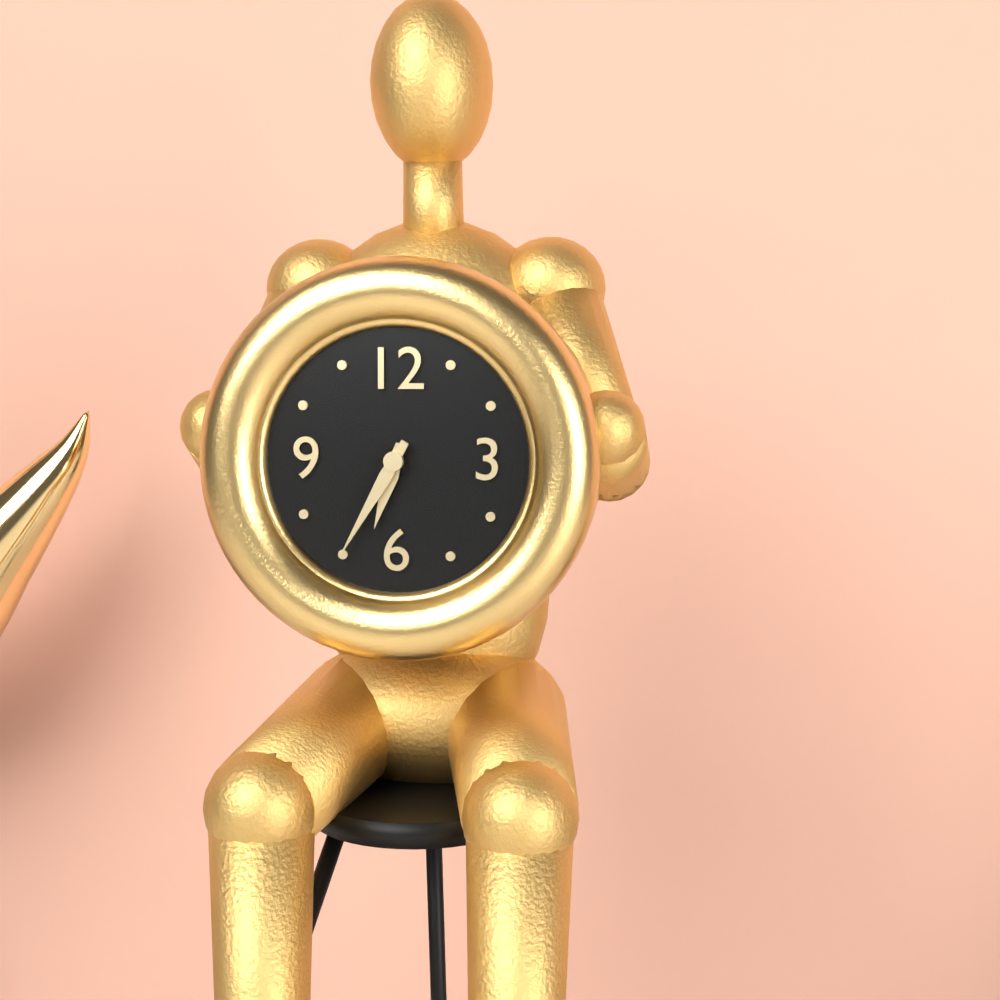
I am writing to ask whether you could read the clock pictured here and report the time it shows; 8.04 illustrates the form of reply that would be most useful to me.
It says 6.35
